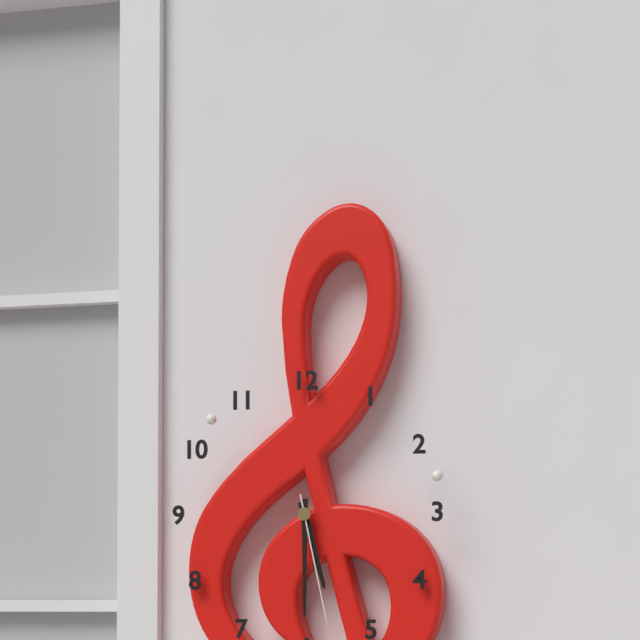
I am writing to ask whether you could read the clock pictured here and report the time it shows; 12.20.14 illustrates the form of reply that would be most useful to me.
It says 5.30.28
